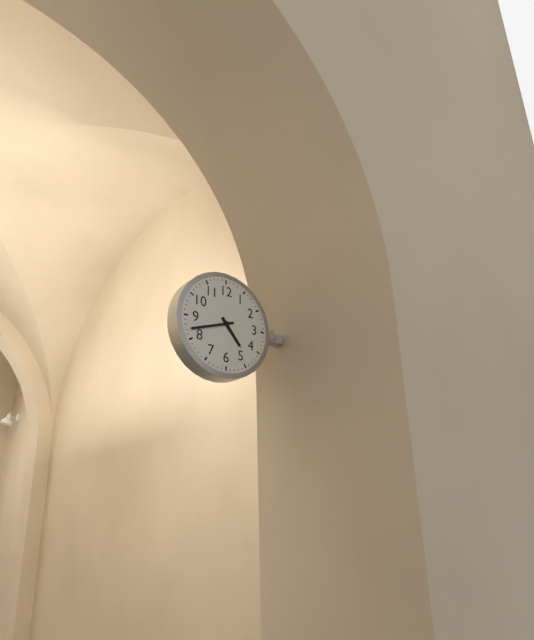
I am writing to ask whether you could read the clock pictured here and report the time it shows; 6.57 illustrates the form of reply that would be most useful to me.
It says 4.42
